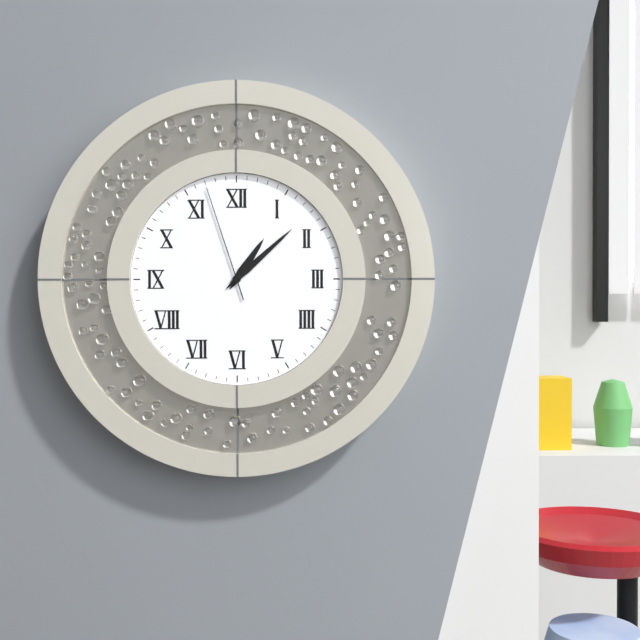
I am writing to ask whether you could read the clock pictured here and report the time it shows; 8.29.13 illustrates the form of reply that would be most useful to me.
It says 1.08.57
